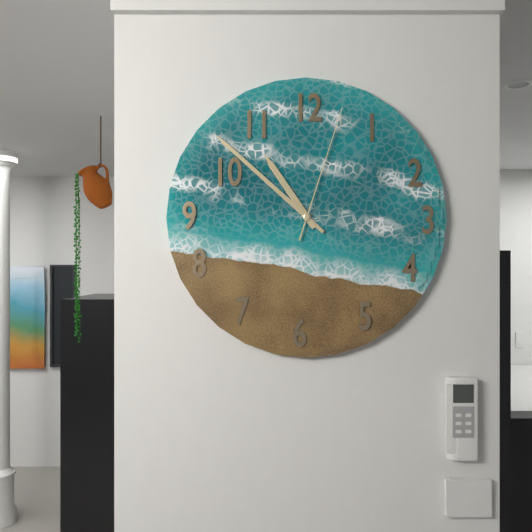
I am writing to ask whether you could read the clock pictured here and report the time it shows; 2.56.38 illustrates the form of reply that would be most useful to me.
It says 10.52.03
